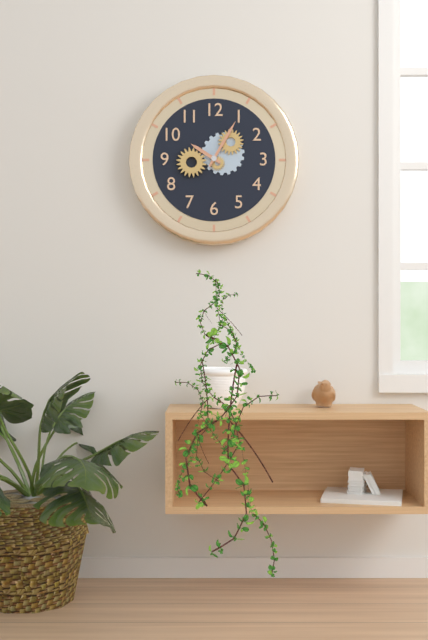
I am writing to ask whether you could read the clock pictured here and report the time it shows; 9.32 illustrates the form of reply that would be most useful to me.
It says 10.05
